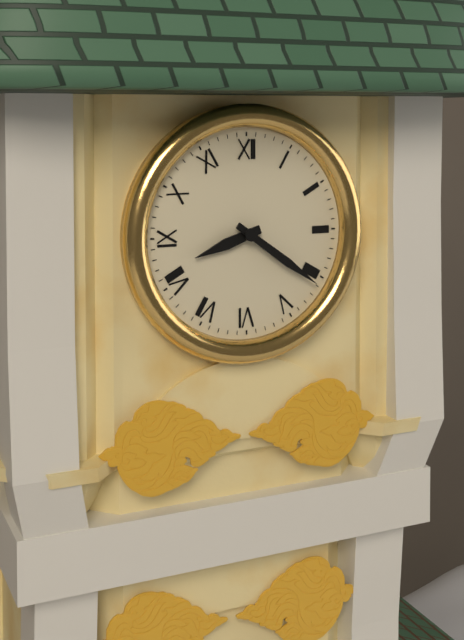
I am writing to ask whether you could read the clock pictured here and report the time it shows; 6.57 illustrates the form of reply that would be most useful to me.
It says 8.21
